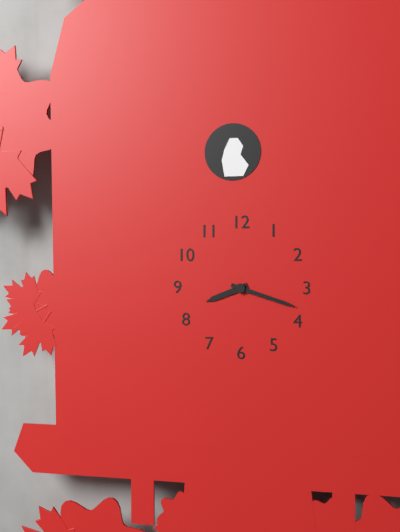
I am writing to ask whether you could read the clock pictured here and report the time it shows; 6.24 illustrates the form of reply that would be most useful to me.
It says 8.18
